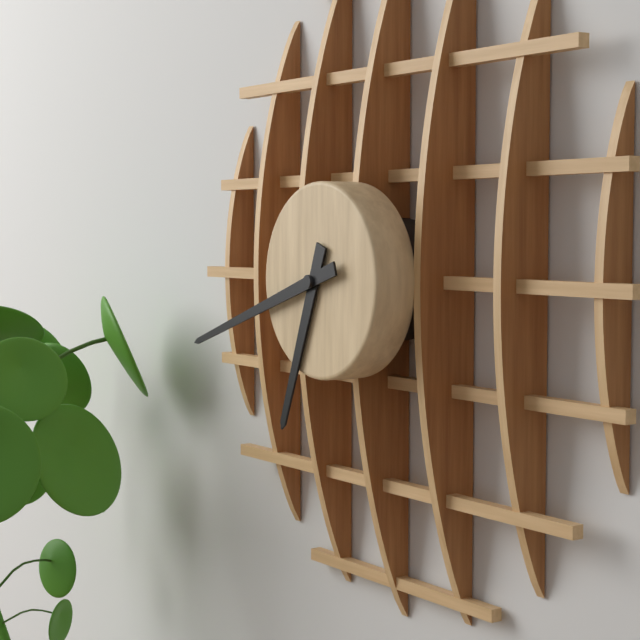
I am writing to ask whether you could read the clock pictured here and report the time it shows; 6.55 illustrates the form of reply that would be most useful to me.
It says 6.42
